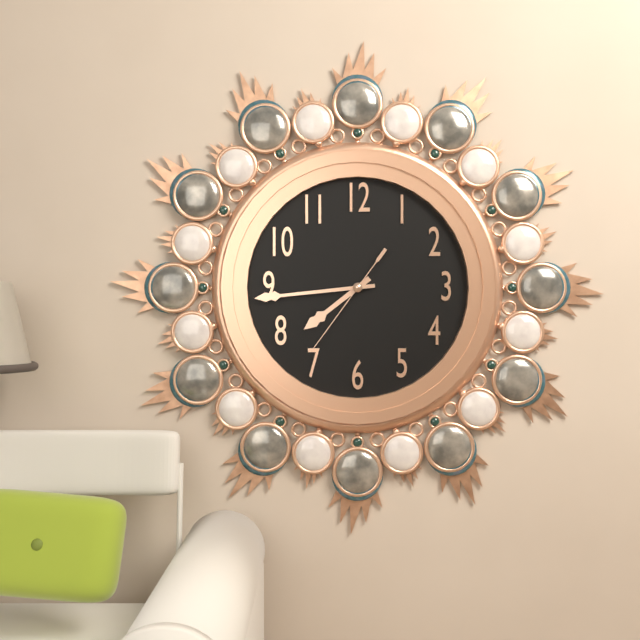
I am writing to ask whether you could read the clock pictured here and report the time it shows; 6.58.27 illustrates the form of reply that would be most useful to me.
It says 7.44.36
